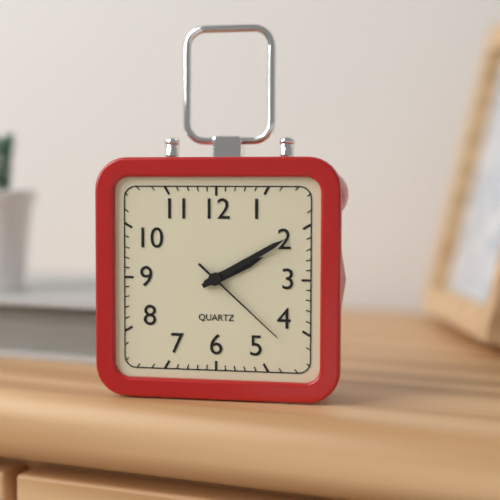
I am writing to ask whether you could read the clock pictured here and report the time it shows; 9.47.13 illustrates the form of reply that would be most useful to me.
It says 2.10.22
